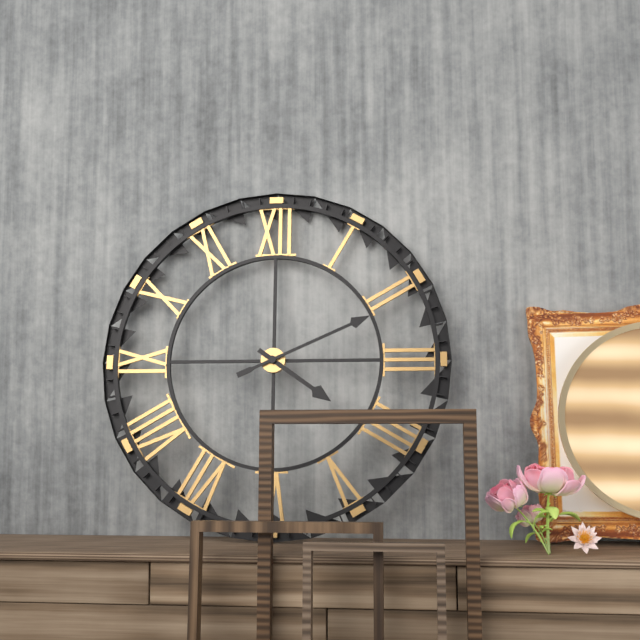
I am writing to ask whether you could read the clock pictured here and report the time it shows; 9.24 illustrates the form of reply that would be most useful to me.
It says 4.11
